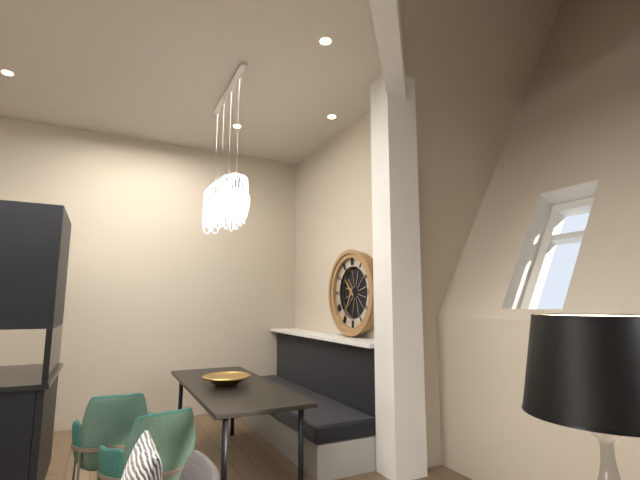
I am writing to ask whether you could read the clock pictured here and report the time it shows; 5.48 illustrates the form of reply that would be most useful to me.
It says 10.35
